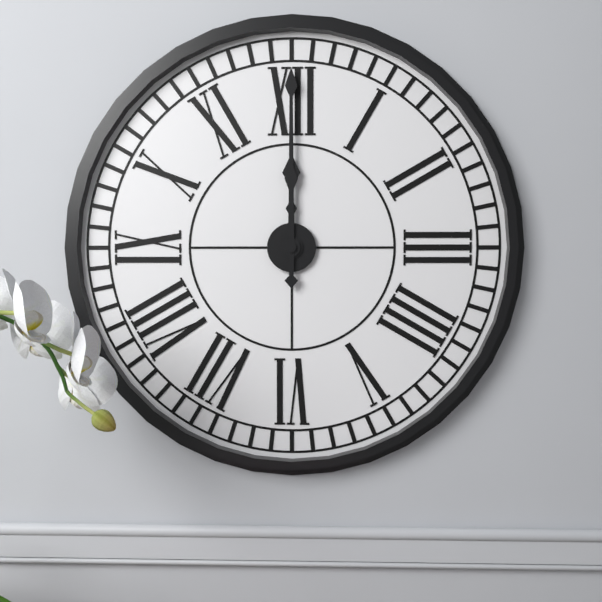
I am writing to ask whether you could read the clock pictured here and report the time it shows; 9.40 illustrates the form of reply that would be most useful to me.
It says 12.00
